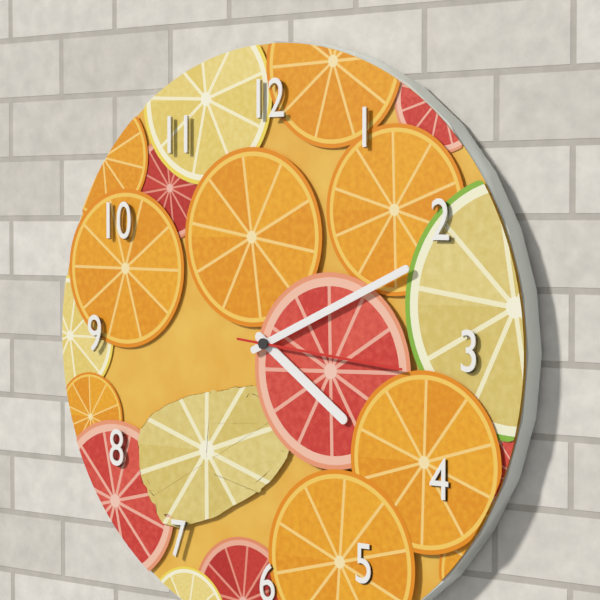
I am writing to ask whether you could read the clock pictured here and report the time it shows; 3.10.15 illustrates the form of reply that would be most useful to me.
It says 4.11.16
